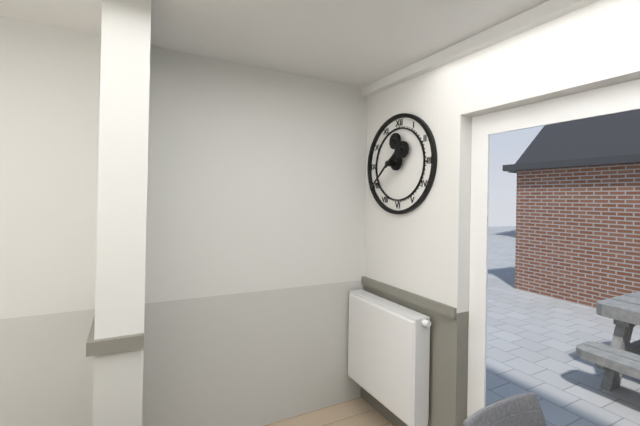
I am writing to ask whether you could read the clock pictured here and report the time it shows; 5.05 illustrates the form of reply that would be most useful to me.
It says 1.38
